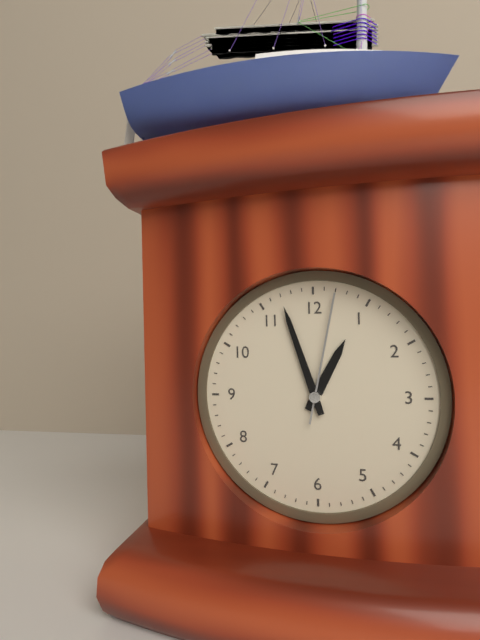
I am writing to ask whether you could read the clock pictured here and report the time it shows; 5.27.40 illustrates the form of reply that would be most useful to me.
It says 12.57.02
